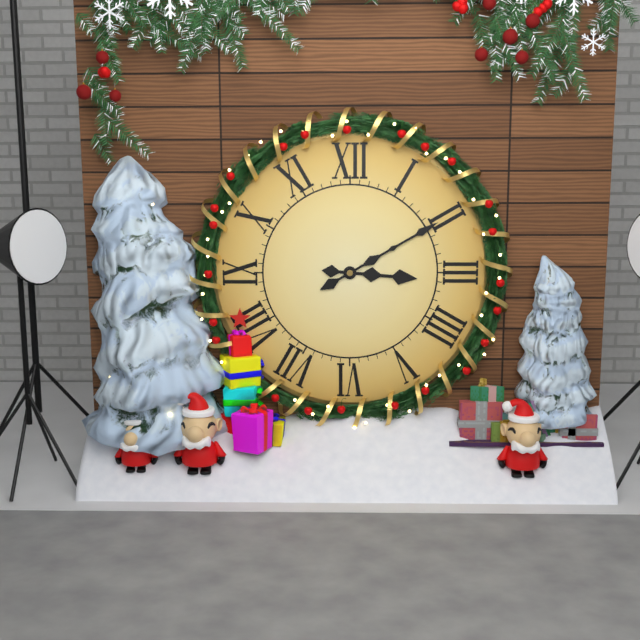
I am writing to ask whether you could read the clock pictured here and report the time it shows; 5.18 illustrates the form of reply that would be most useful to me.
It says 3.10
